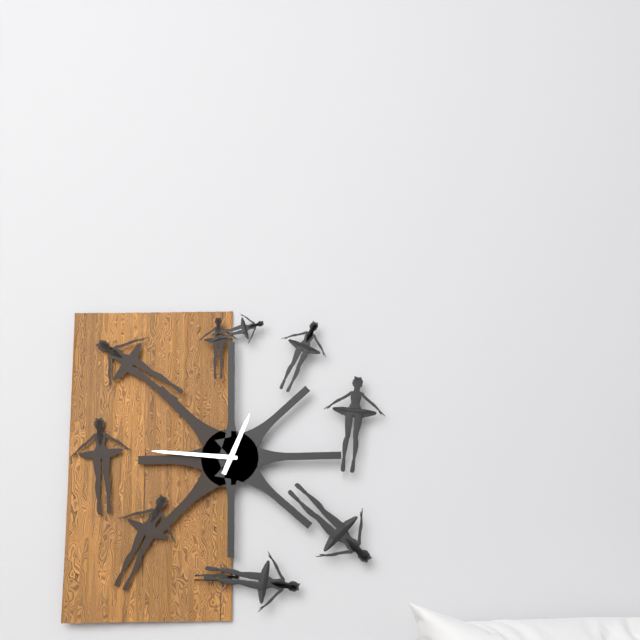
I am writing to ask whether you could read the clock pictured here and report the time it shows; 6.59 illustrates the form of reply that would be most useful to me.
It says 12.46
